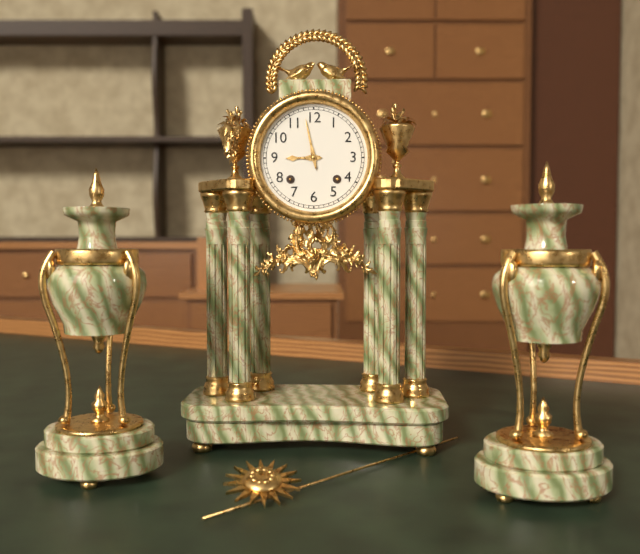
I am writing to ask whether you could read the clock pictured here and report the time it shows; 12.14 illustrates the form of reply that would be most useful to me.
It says 8.58
